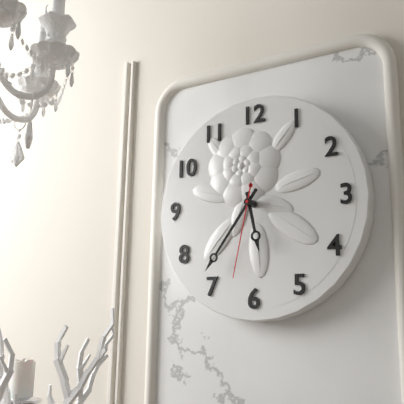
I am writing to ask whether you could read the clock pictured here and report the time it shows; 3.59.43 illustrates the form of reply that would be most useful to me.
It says 5.36.32
